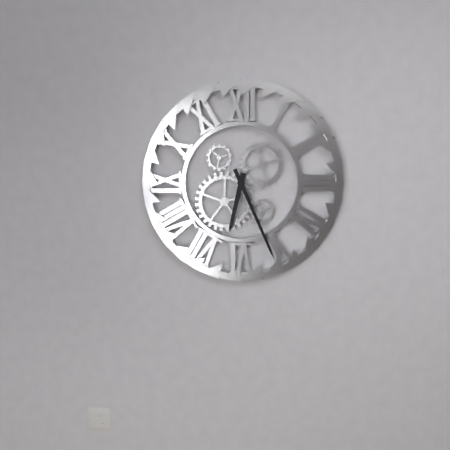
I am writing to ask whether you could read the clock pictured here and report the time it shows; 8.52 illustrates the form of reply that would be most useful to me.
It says 6.26
